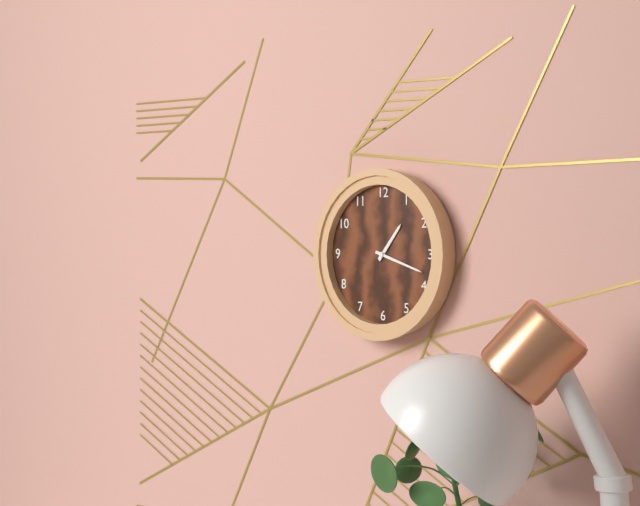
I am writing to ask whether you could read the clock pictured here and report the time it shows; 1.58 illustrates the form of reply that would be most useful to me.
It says 1.18
